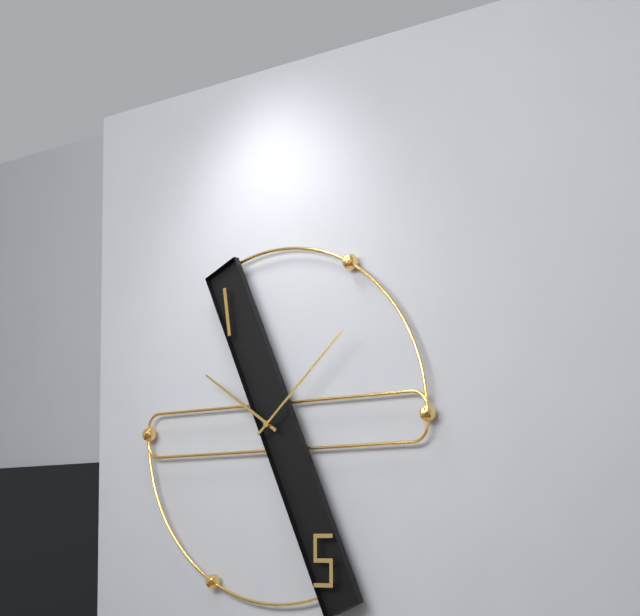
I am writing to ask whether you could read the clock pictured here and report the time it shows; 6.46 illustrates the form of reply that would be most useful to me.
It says 10.08
